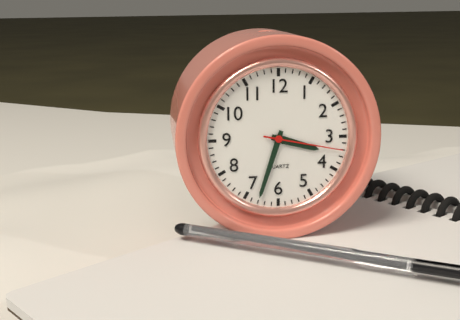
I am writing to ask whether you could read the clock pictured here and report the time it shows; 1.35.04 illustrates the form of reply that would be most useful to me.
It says 3.33.17
